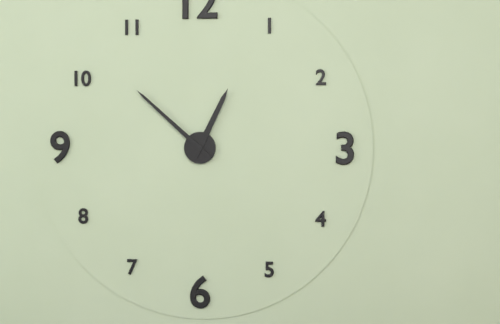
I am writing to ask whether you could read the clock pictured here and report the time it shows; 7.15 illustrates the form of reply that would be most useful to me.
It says 12.52
